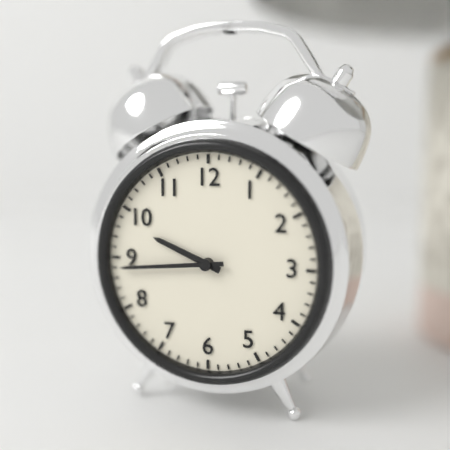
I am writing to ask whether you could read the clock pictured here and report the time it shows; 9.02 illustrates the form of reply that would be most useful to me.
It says 9.44
